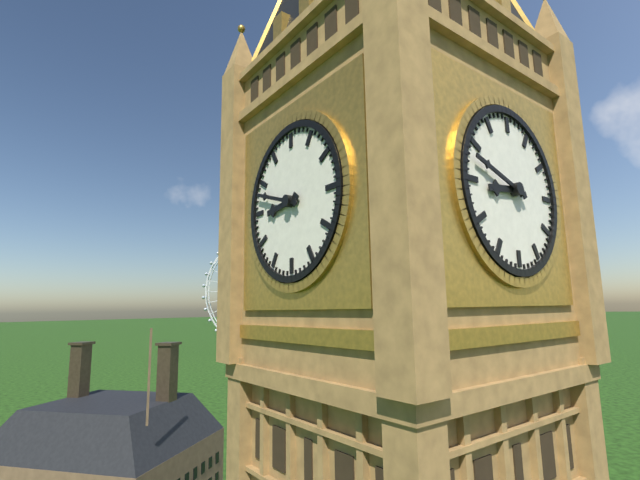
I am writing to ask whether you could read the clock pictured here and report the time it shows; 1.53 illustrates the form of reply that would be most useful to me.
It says 8.48
